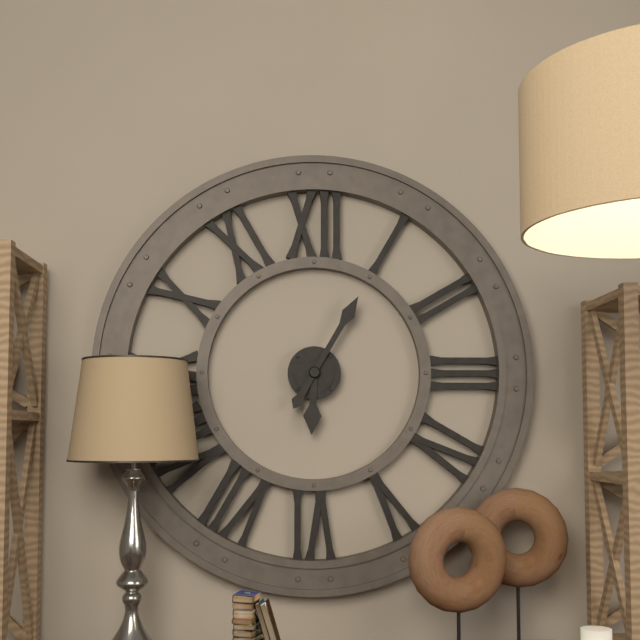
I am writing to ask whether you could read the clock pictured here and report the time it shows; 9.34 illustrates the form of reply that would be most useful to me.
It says 6.05
